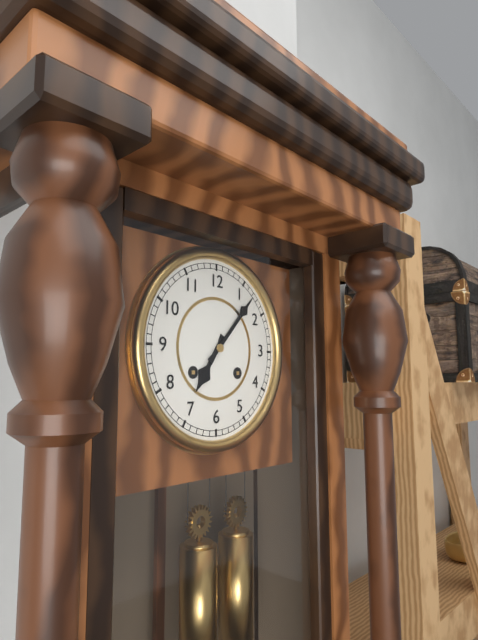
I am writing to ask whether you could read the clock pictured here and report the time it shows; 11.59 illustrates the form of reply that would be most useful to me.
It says 7.07
